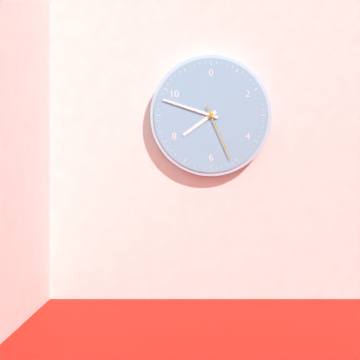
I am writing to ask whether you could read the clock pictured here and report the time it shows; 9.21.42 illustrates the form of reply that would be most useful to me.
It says 7.48.26
